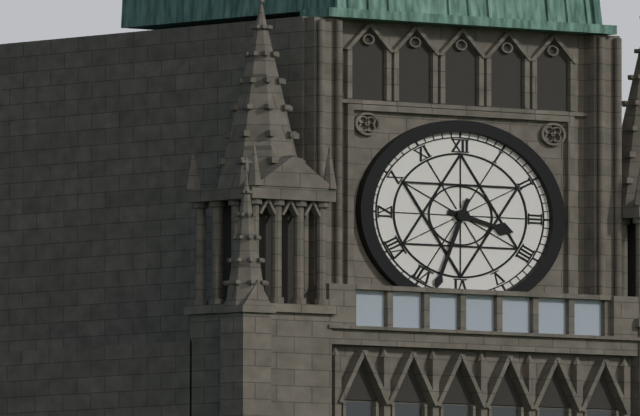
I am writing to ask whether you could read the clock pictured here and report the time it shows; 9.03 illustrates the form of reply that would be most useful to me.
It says 3.33
